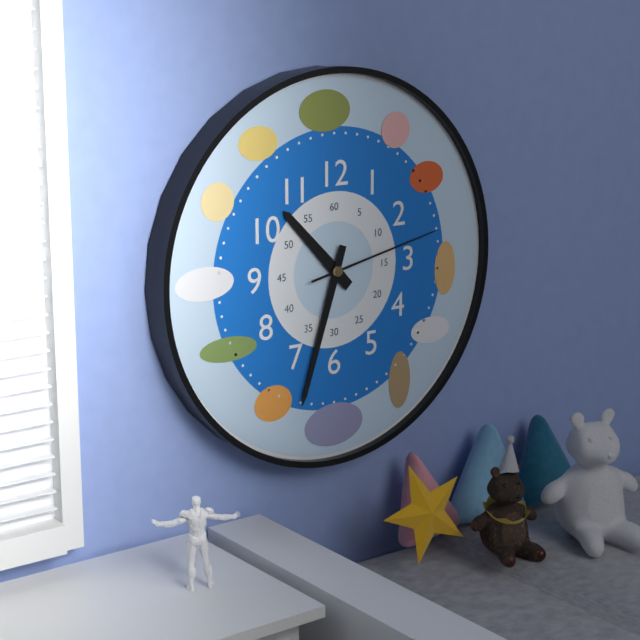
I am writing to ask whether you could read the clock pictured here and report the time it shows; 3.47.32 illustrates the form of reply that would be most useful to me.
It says 10.33.13
